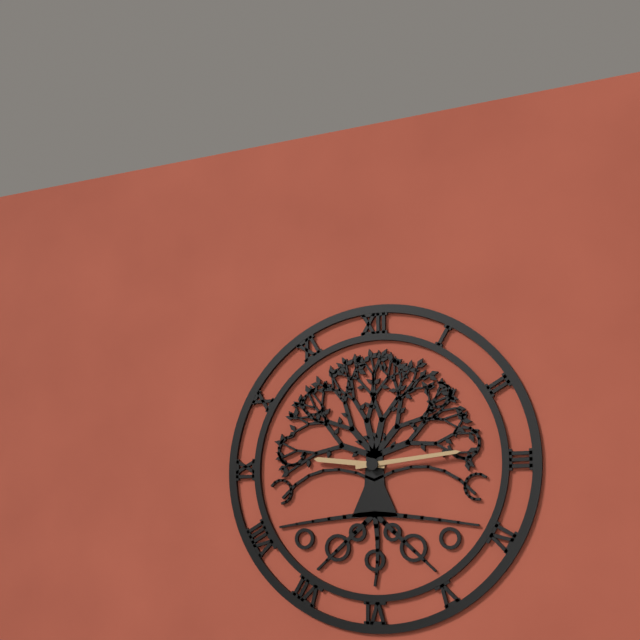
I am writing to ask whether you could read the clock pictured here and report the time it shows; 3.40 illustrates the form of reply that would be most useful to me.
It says 9.14
